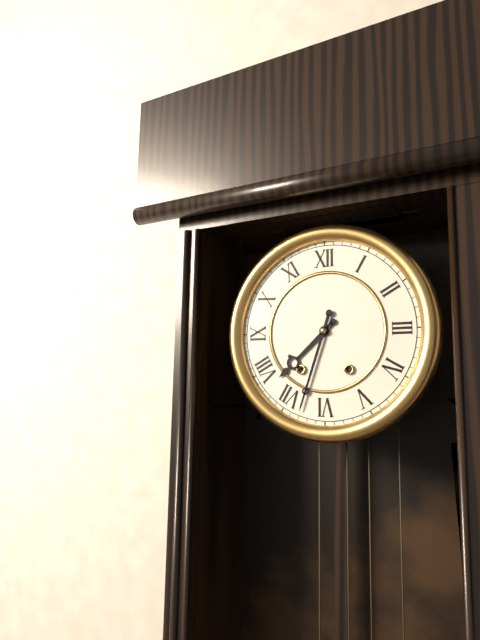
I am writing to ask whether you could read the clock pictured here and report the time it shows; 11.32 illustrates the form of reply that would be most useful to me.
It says 7.33
